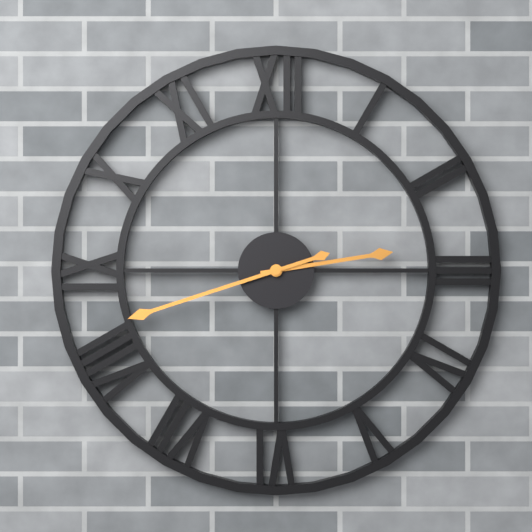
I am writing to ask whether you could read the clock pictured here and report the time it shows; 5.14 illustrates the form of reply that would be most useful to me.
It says 2.42
